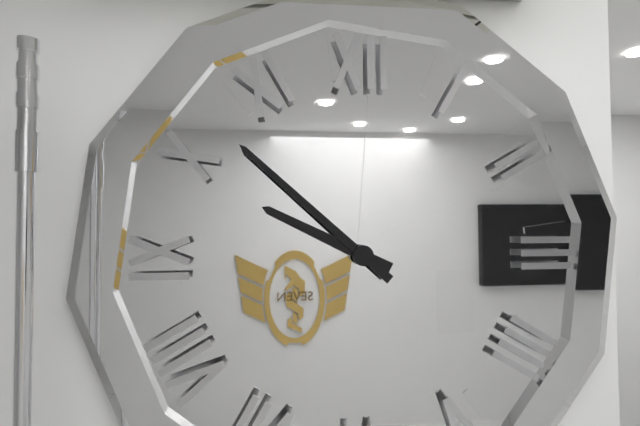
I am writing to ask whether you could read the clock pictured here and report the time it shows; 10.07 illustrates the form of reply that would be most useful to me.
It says 9.52
